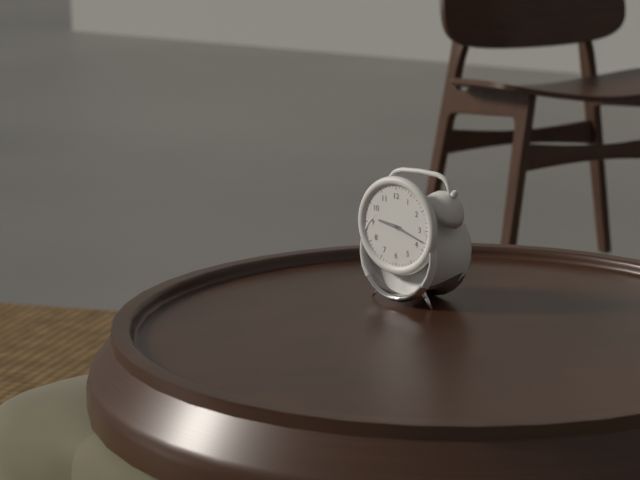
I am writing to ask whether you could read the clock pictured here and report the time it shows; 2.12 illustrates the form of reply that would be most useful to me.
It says 9.18
